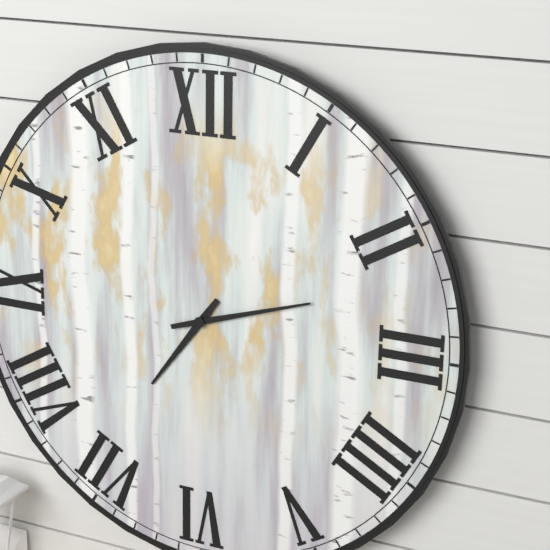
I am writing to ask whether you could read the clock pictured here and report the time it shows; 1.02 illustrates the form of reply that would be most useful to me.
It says 7.12
